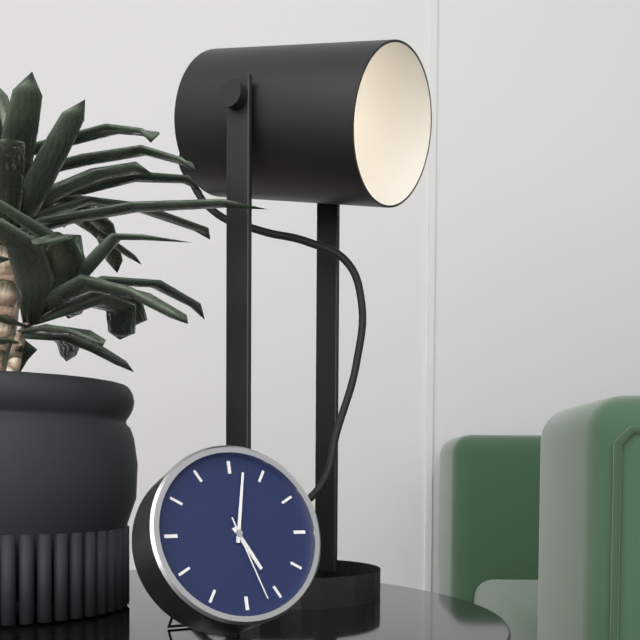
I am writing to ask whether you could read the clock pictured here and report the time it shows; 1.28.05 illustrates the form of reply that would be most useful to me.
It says 5.02.27
